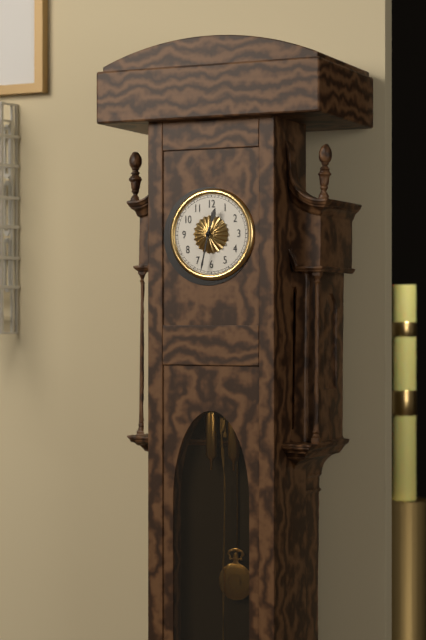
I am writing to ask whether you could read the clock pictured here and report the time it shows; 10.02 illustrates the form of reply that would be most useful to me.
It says 12.32
